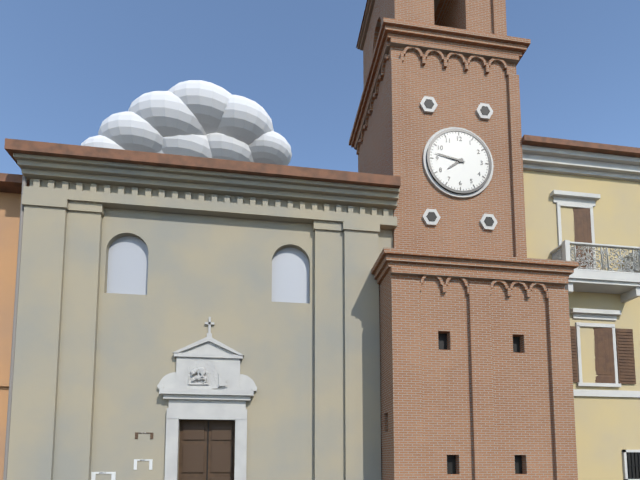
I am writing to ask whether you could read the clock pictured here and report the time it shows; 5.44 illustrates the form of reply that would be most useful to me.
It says 7.47
